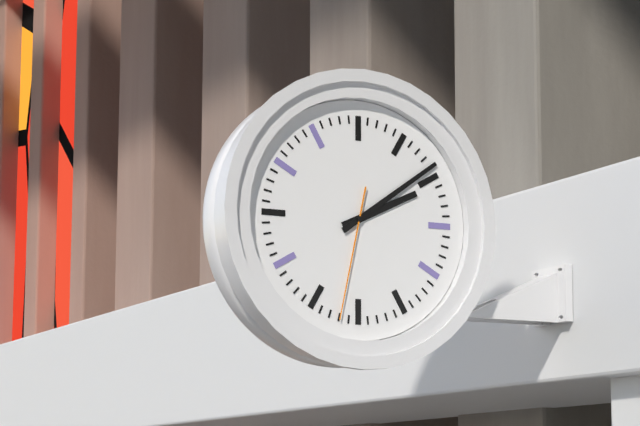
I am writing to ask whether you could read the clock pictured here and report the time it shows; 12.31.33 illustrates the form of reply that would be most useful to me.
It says 2.09.32
